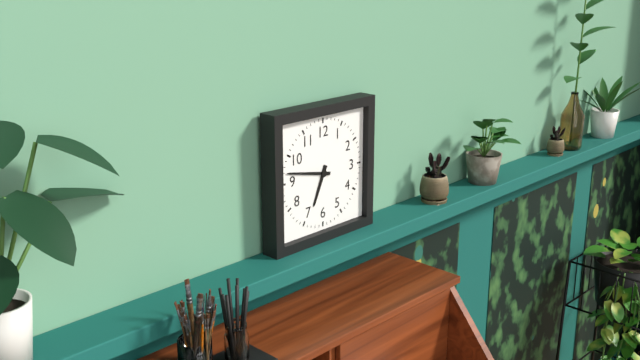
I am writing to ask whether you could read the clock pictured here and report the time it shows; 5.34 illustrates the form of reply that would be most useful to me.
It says 6.47
